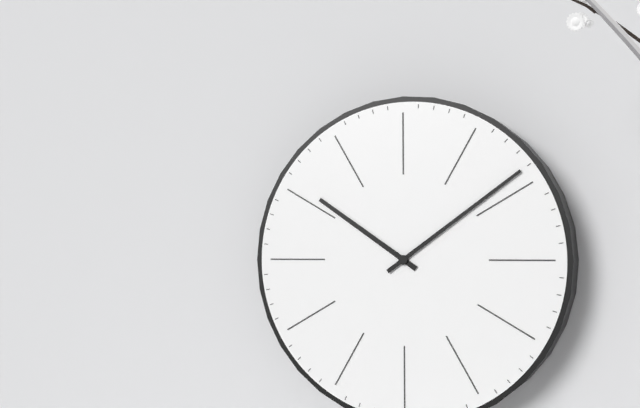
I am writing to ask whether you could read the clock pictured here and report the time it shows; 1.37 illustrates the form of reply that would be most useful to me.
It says 10.09
